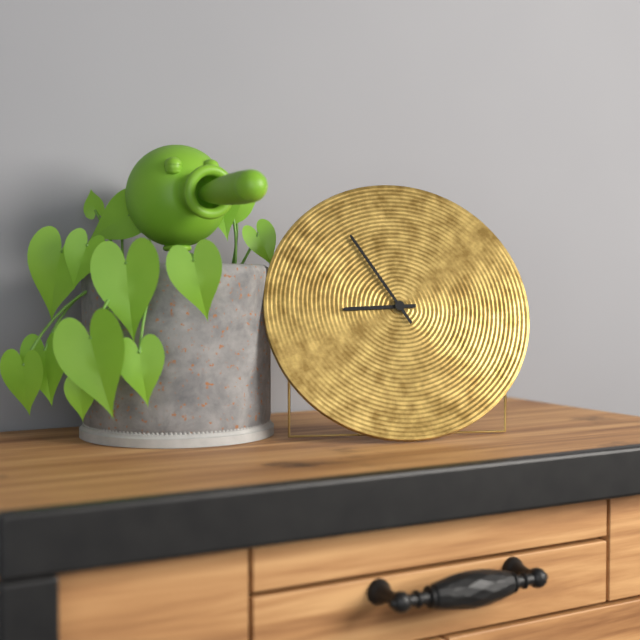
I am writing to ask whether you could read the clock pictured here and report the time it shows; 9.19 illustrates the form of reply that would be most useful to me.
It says 8.55
